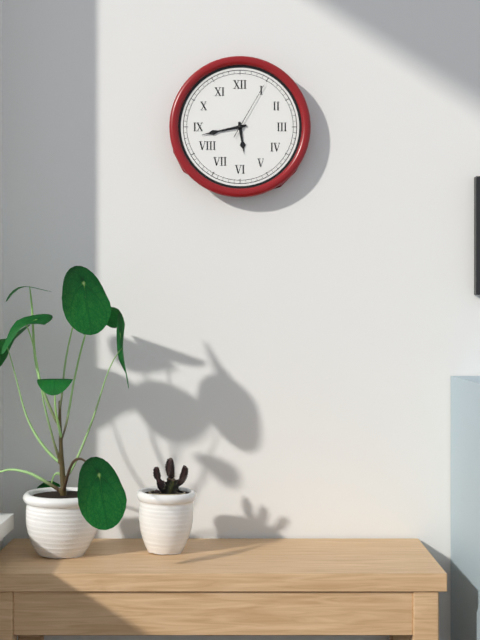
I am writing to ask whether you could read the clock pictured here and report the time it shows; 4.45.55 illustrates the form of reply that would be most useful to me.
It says 5.43.05
